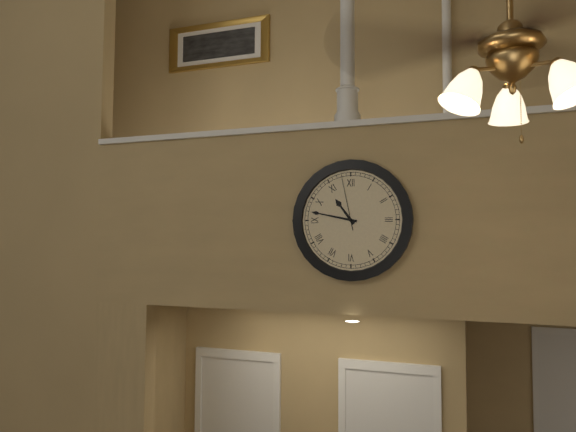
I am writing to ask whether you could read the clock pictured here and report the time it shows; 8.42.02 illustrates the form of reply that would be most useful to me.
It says 10.47.58
